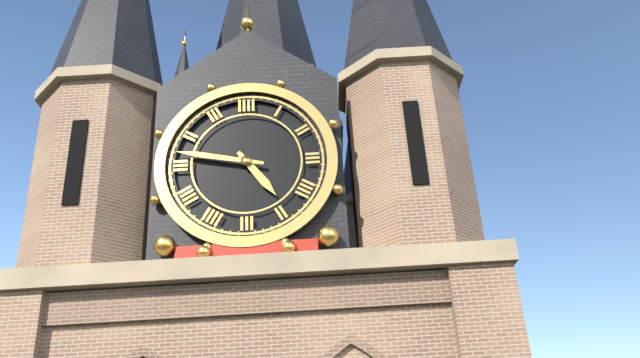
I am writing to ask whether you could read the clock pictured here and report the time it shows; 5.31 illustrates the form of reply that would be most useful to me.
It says 4.47
